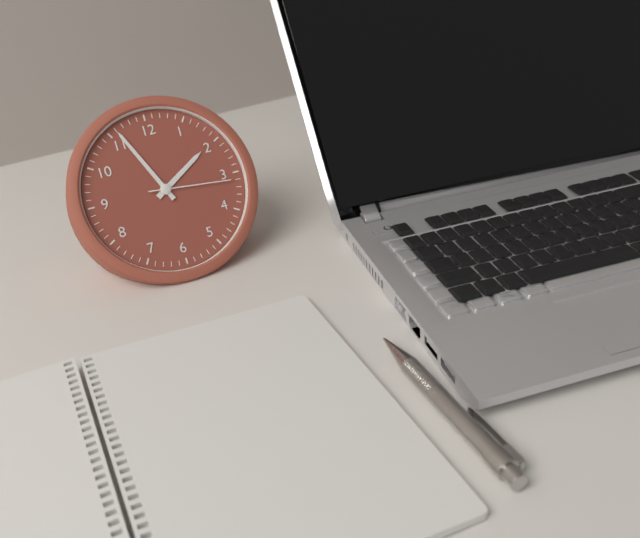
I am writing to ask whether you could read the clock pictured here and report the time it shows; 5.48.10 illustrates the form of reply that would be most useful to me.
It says 1.56.16
